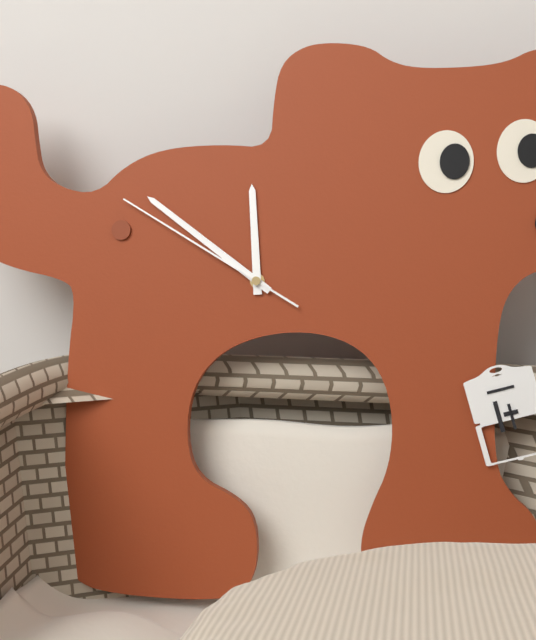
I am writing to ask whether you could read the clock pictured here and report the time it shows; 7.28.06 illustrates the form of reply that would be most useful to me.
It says 11.51.50
